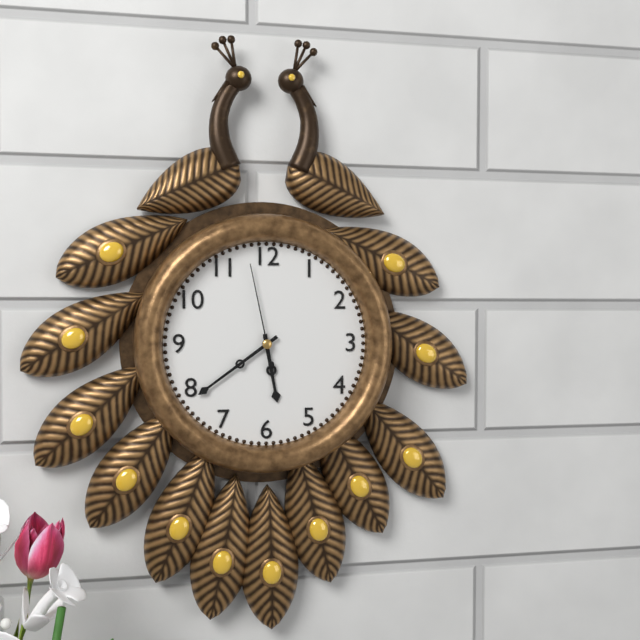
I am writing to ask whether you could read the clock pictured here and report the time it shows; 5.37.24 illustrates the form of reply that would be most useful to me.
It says 5.39.58
